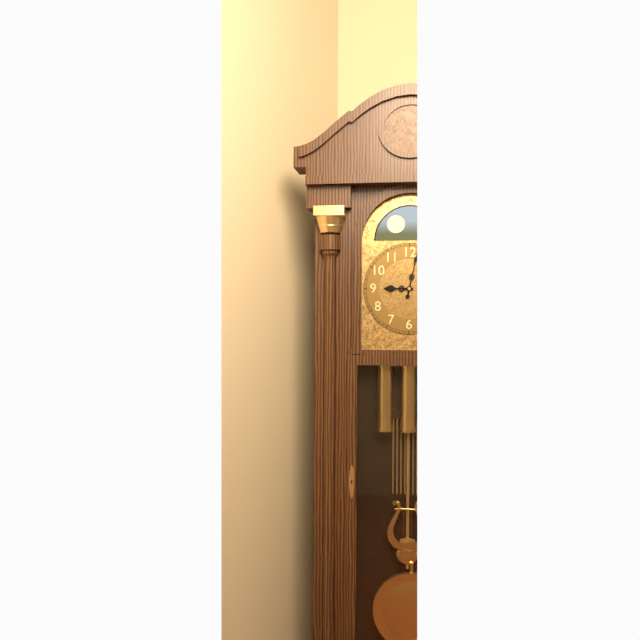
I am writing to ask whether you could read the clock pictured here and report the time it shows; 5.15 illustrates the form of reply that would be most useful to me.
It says 9.02
